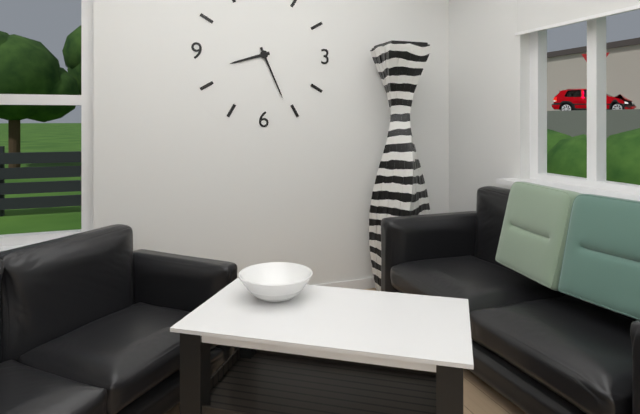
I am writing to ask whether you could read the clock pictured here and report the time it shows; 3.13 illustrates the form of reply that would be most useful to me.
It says 8.26
